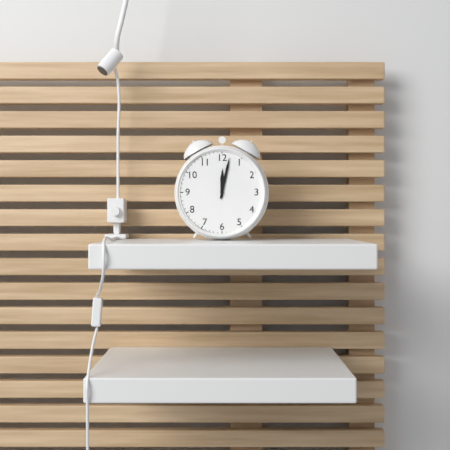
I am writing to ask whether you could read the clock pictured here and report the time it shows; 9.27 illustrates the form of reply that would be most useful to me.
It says 12.02
